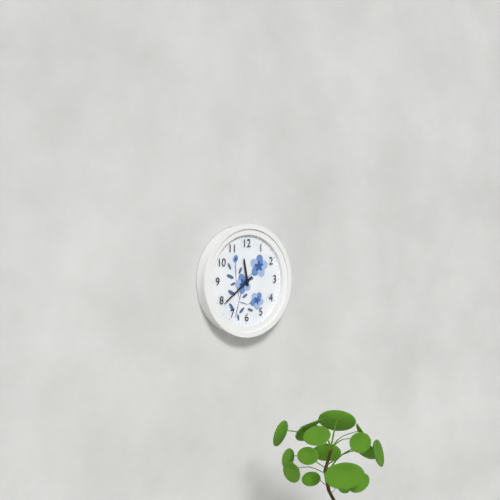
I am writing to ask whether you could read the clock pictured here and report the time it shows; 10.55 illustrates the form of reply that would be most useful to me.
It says 11.39
